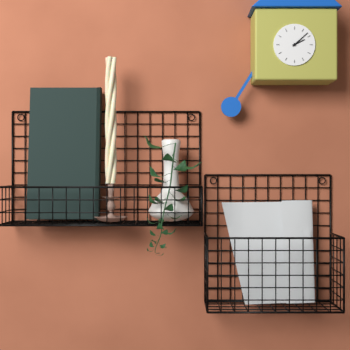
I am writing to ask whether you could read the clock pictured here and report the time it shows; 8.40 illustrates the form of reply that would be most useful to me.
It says 2.08
